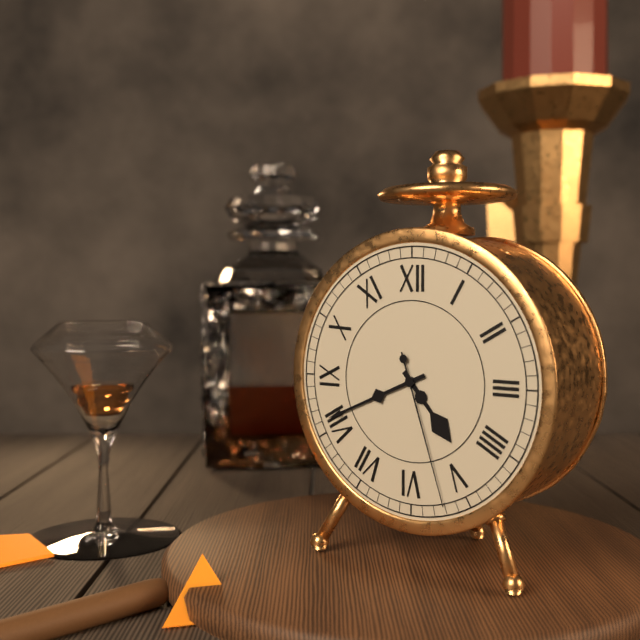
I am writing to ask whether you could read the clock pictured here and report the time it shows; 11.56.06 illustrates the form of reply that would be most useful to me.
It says 4.41.27
